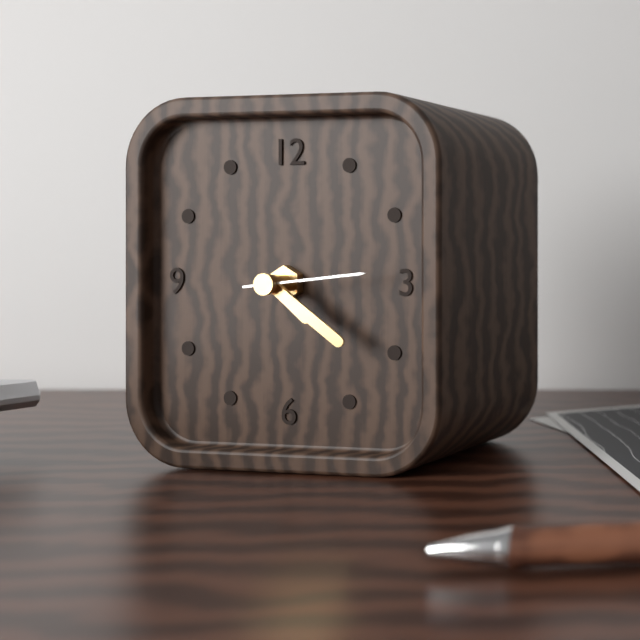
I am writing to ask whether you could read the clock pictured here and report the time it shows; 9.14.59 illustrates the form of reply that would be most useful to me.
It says 4.21.14
